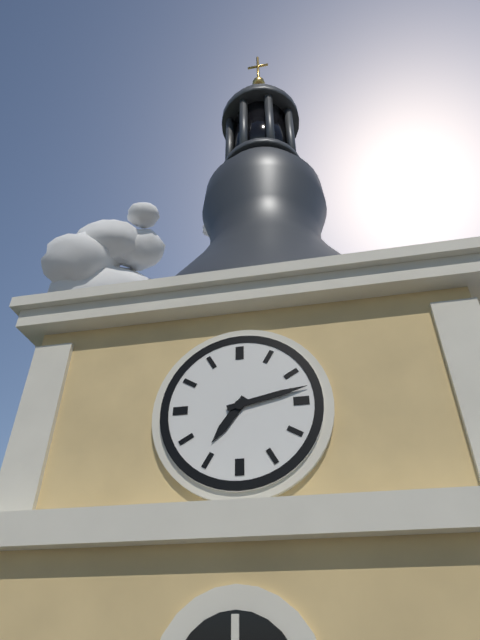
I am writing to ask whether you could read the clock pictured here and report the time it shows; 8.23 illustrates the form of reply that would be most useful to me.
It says 7.13
